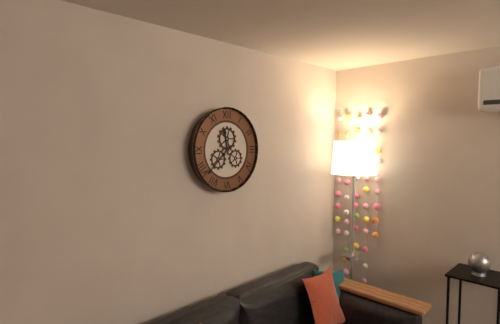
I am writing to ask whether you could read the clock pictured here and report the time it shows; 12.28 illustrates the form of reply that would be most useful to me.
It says 11.38
